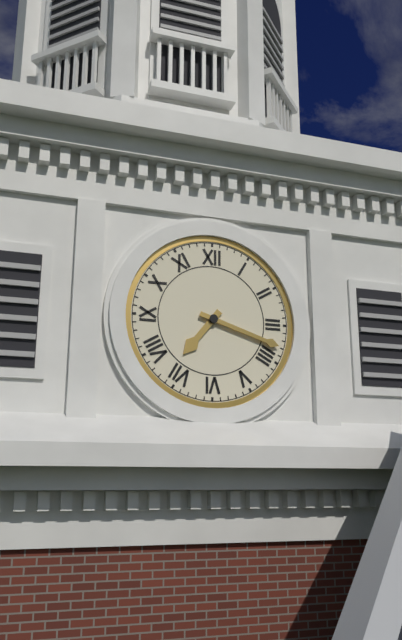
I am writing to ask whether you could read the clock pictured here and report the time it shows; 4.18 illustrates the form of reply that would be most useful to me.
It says 7.18
